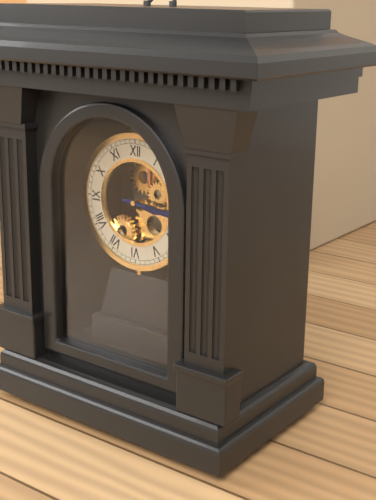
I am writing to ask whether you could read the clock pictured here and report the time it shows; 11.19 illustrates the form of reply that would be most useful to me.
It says 3.16
